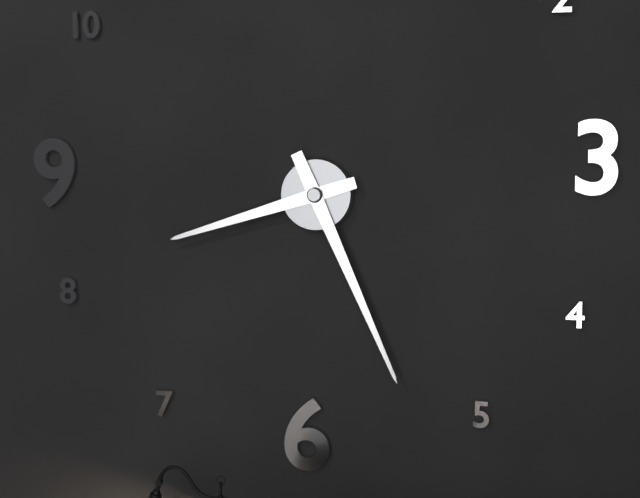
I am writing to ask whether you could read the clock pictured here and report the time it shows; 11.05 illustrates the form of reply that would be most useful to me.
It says 8.26
